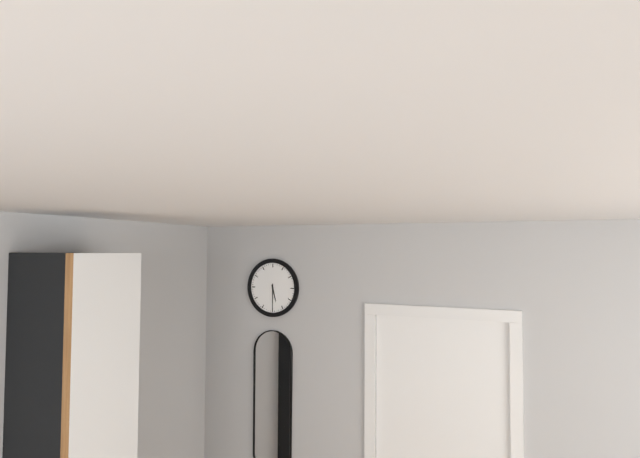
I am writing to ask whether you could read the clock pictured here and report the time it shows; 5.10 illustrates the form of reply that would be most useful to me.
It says 5.30
